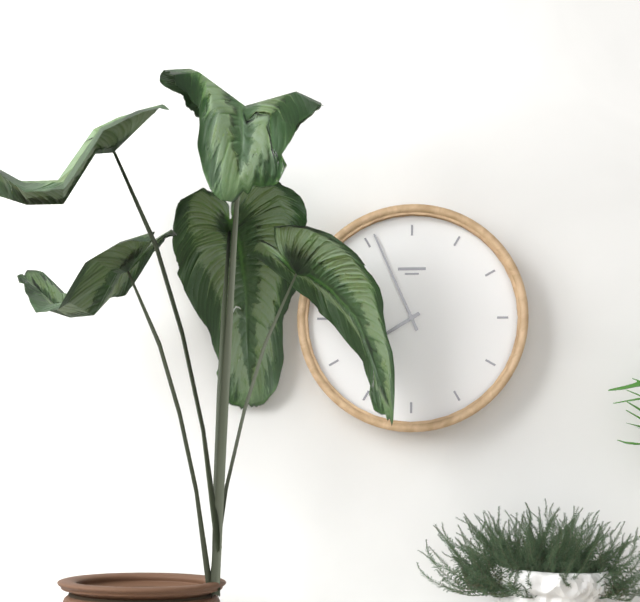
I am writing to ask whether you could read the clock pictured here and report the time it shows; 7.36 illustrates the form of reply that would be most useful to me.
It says 7.56
